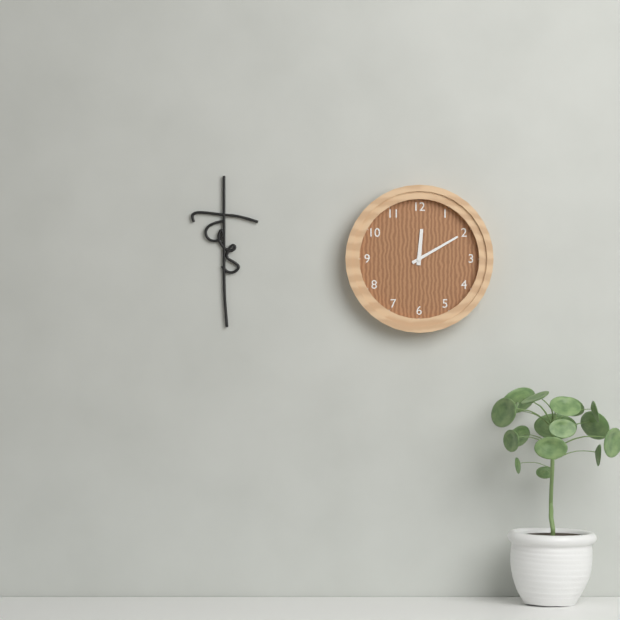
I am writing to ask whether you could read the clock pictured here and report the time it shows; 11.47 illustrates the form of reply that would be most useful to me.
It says 12.10
